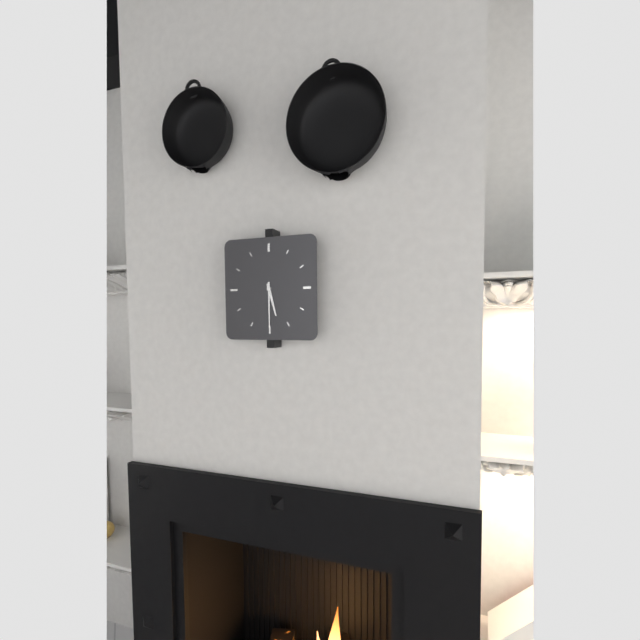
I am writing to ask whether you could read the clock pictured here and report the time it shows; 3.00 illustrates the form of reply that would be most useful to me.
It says 5.30
